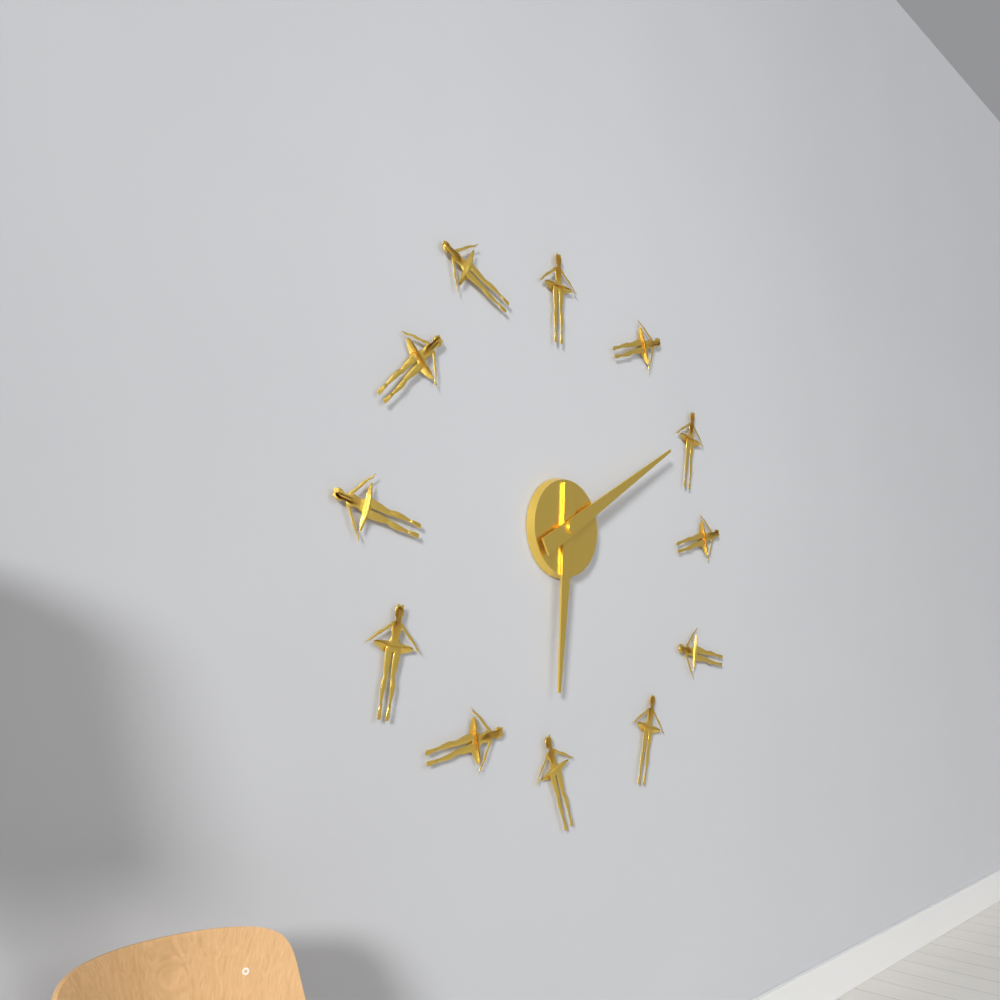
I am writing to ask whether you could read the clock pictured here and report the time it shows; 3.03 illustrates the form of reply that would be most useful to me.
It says 6.10
